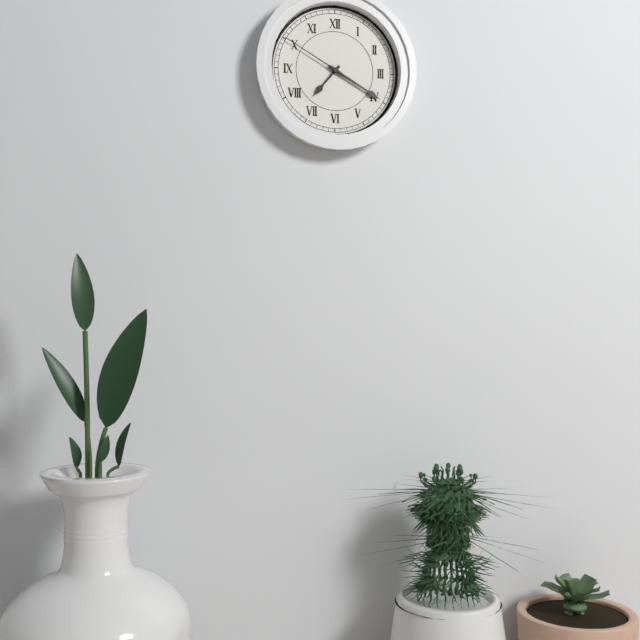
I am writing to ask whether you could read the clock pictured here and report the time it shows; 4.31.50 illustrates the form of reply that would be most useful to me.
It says 7.20.50
